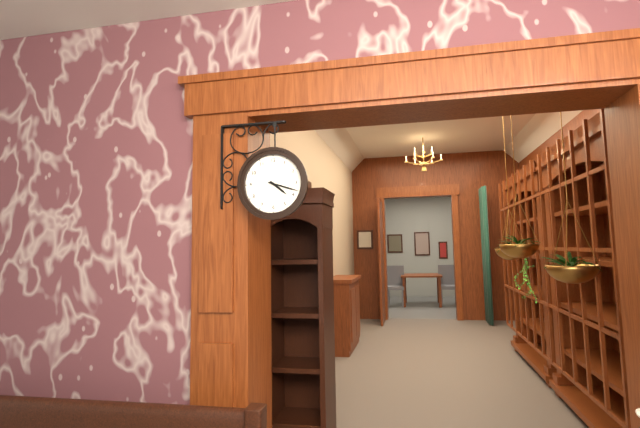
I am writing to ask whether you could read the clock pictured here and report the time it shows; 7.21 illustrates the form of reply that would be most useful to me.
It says 4.18
